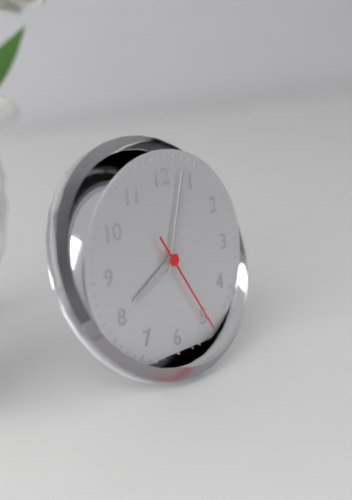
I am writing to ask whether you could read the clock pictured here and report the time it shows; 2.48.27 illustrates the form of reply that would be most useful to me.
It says 8.03.25
